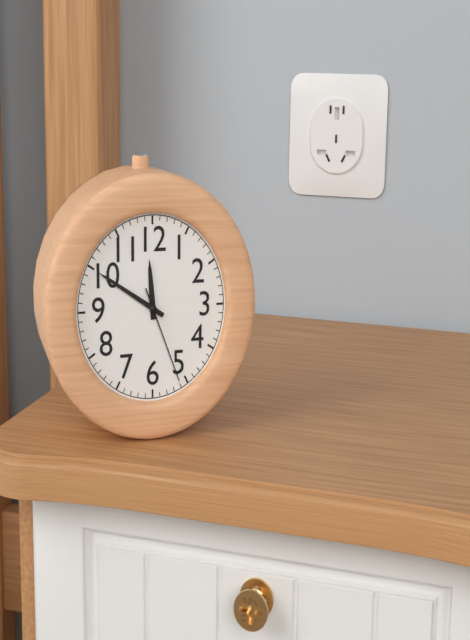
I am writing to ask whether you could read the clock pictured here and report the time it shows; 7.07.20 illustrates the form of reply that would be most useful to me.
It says 11.50.26
